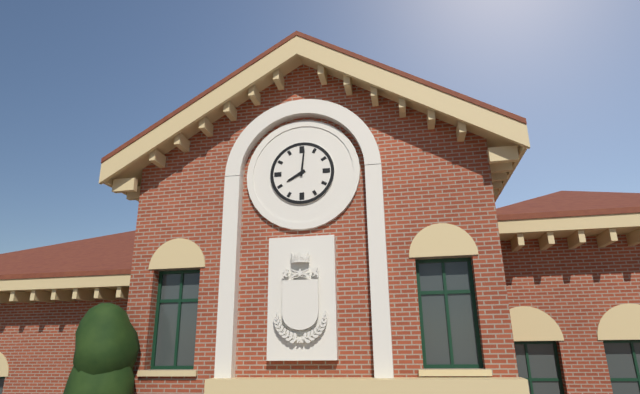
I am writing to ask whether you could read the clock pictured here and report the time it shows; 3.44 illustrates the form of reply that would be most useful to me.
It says 8.01
